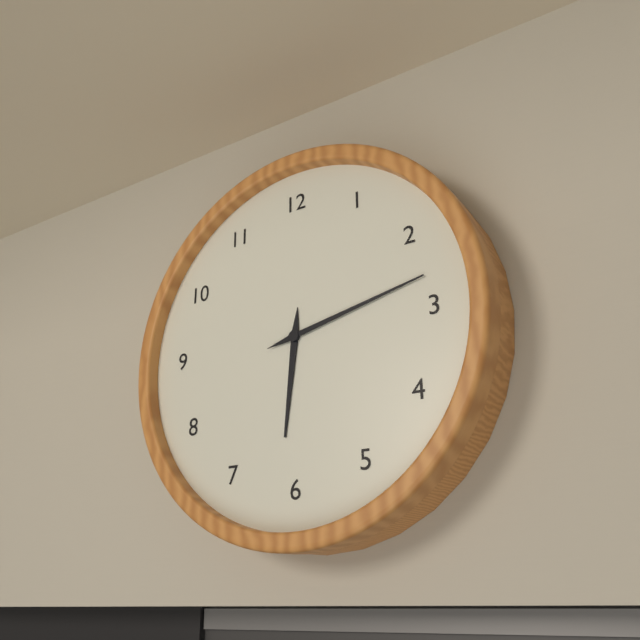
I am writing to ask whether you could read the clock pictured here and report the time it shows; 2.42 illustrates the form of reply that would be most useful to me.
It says 6.13
